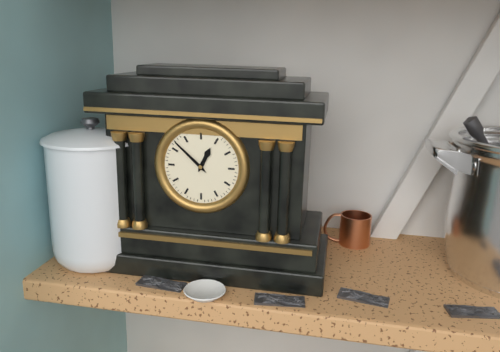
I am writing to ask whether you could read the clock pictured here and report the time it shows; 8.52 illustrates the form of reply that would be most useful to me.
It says 12.52
